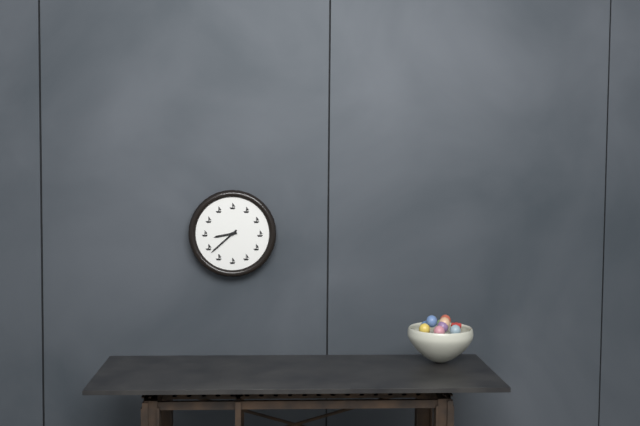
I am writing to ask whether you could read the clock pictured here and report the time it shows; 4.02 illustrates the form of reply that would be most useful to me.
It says 8.38
